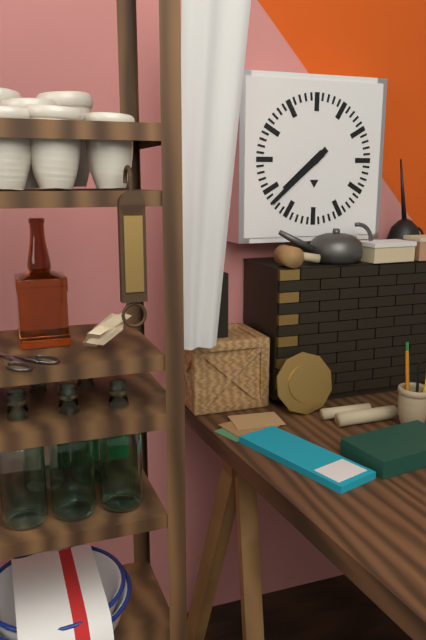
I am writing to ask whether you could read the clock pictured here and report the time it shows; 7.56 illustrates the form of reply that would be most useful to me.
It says 7.38
